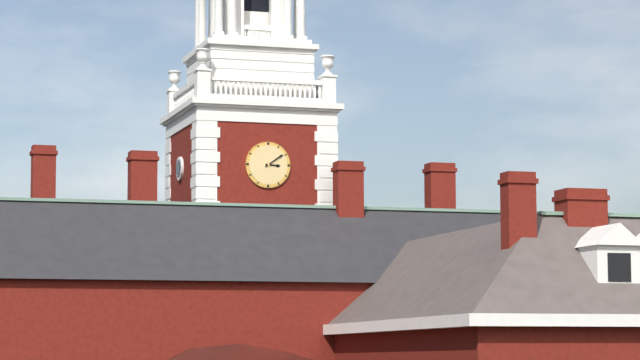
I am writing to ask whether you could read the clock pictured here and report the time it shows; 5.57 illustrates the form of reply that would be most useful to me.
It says 3.09
